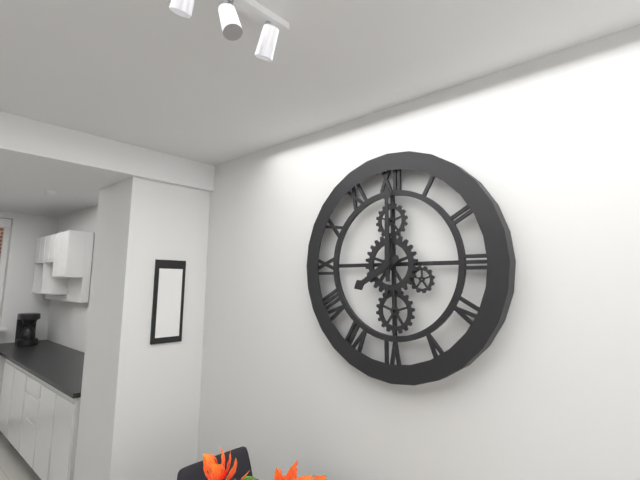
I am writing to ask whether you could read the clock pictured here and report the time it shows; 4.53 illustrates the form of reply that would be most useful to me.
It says 8.00
